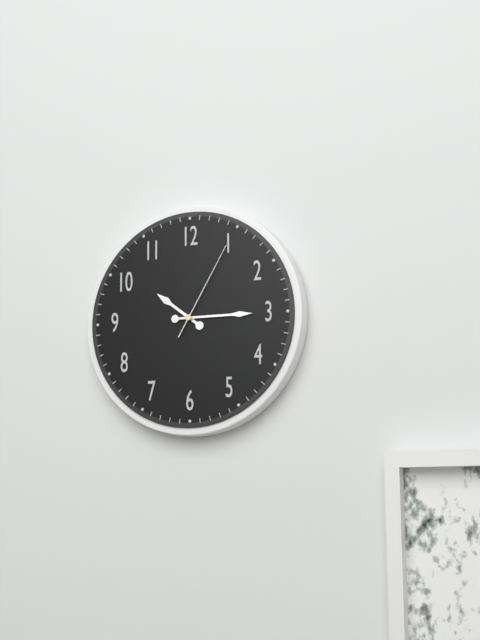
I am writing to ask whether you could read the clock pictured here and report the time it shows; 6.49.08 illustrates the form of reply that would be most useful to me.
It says 10.15.05
